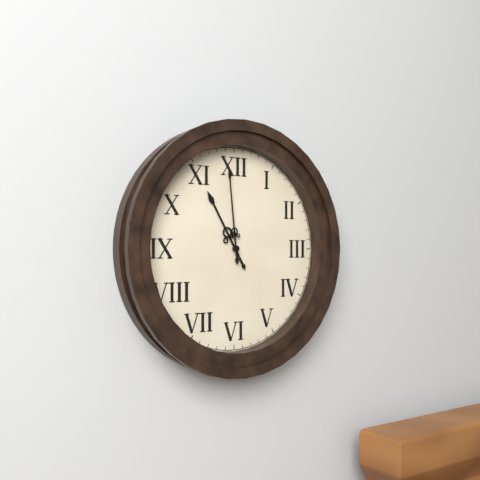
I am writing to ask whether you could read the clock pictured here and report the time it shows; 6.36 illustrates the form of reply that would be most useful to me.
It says 10.59
